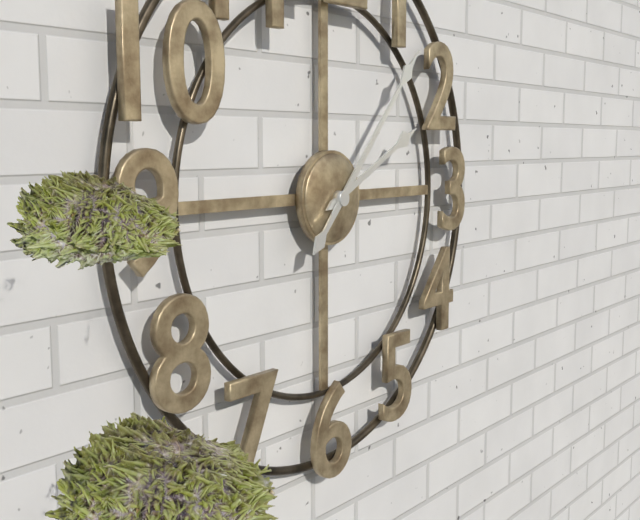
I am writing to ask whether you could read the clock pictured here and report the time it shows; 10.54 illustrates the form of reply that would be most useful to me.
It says 2.07
